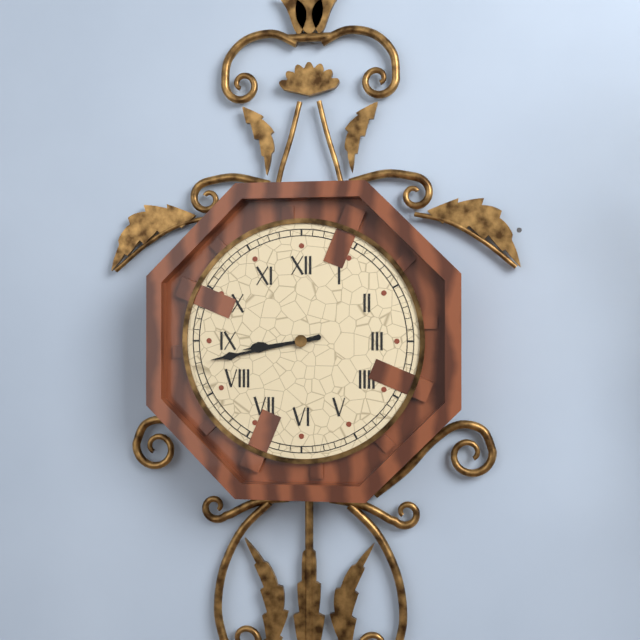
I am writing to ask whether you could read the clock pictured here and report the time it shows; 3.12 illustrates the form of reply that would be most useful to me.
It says 8.43
